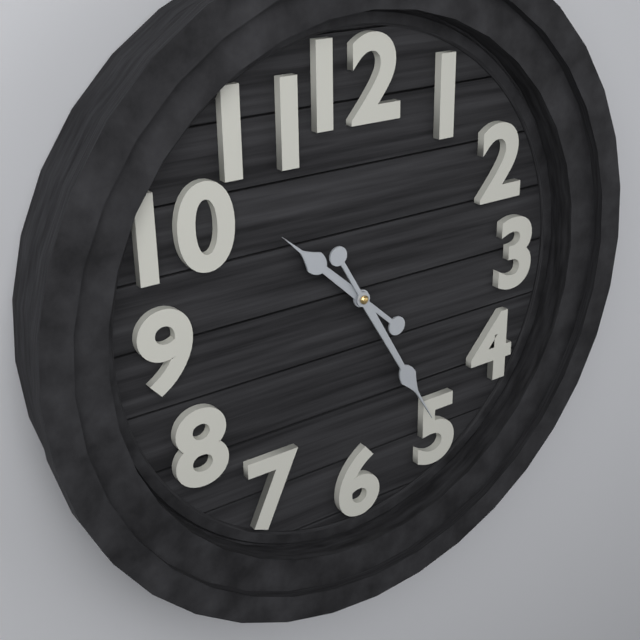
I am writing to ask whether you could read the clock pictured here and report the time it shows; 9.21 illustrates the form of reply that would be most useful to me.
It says 10.25
